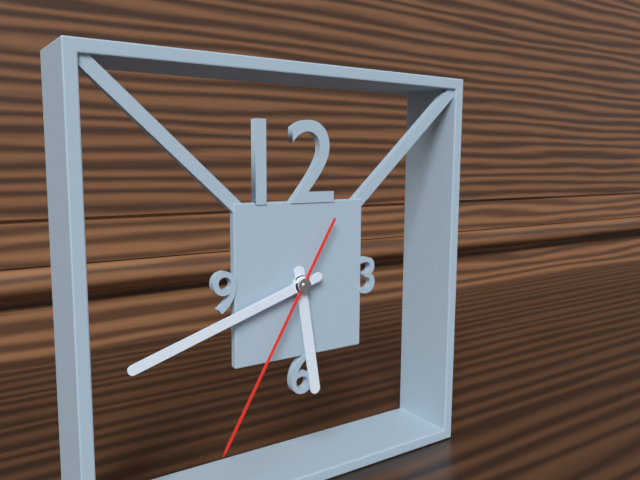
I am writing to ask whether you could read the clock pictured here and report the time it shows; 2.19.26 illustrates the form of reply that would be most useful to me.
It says 5.42.35
